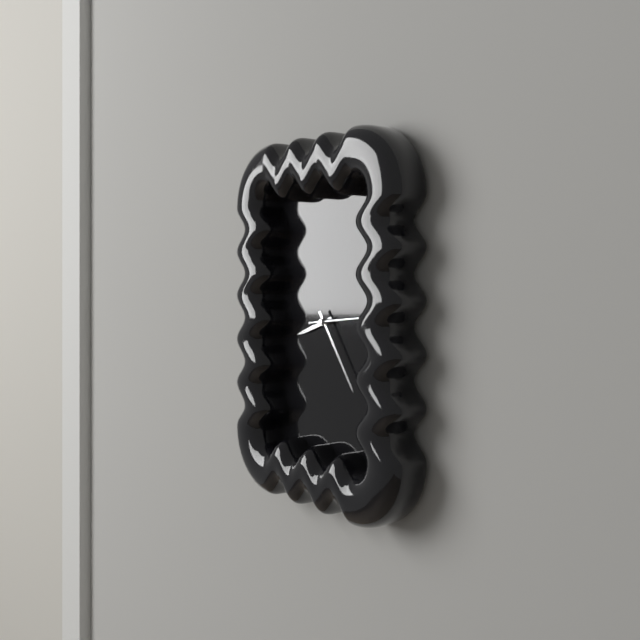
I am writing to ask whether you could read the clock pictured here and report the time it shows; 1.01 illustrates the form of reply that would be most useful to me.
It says 8.24
